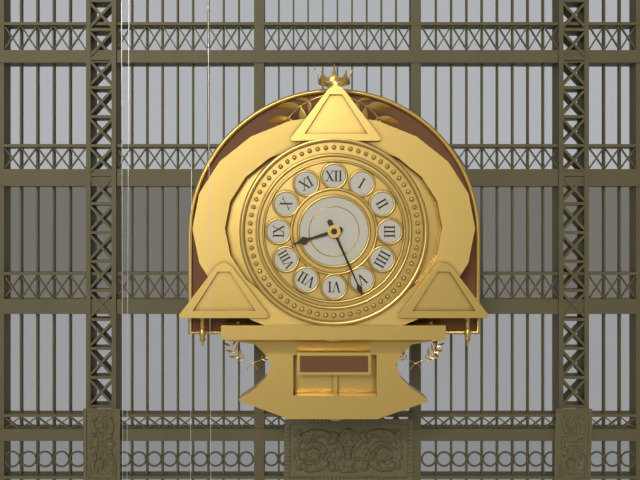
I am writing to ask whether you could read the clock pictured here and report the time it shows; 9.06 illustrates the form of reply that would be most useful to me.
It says 8.26
